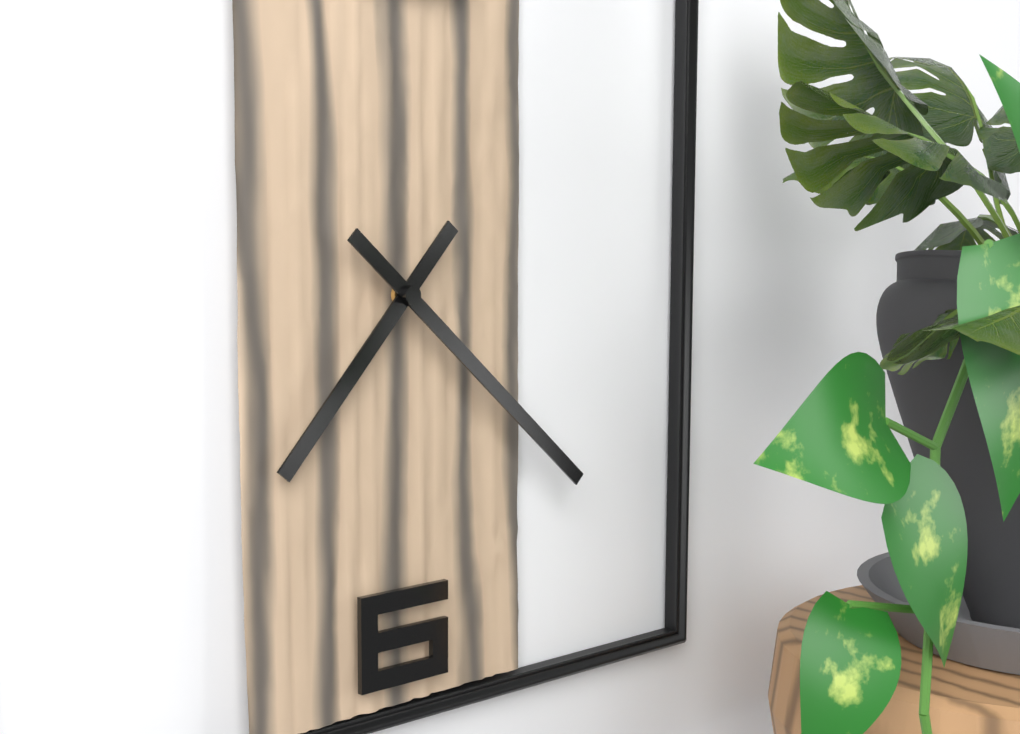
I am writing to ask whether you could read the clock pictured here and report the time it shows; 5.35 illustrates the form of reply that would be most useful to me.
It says 7.22
